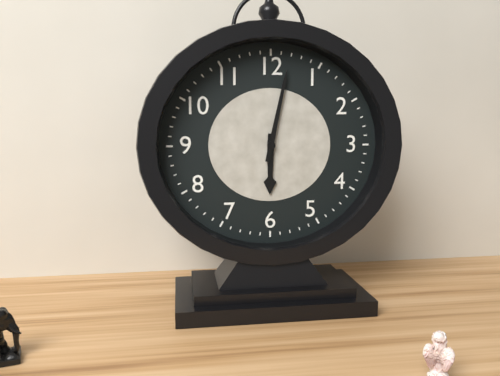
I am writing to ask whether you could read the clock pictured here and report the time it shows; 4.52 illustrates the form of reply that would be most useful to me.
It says 6.02
